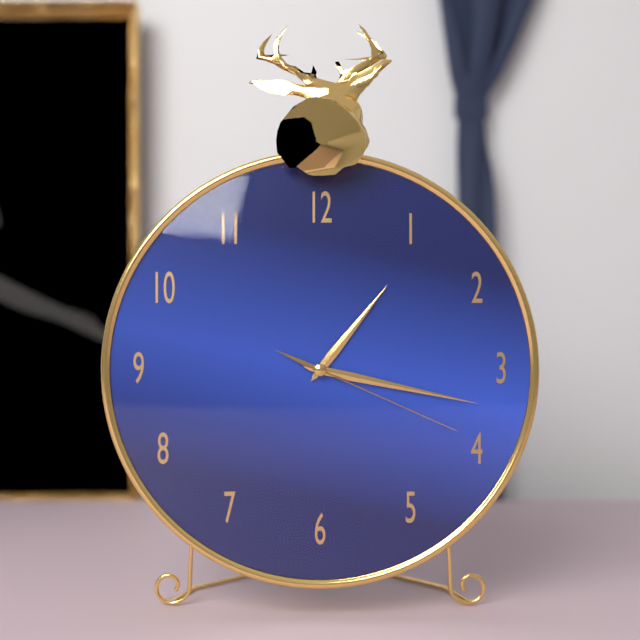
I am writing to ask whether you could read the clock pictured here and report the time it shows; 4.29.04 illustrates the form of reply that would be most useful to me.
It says 1.17.19
